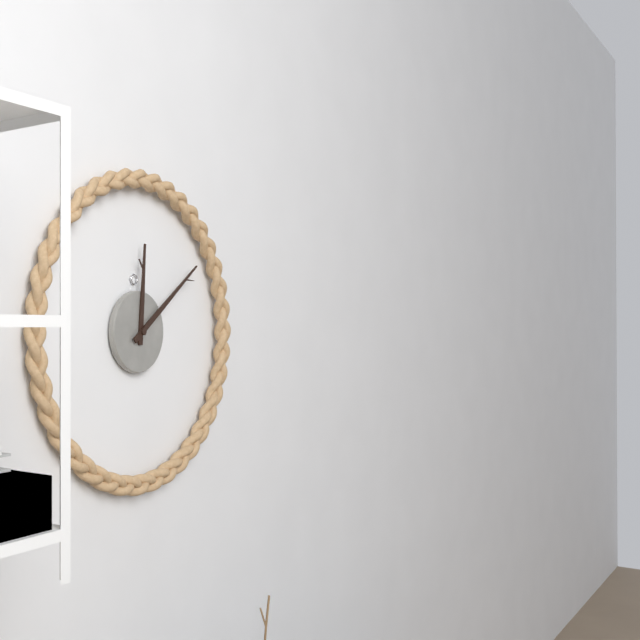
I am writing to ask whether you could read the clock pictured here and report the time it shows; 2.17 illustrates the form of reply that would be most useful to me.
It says 12.09
